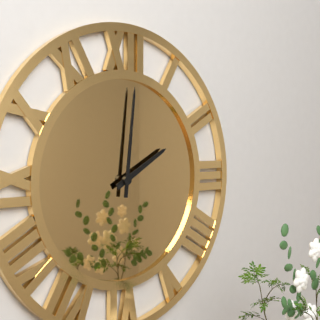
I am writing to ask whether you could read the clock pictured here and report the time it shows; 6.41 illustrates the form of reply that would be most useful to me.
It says 2.01
